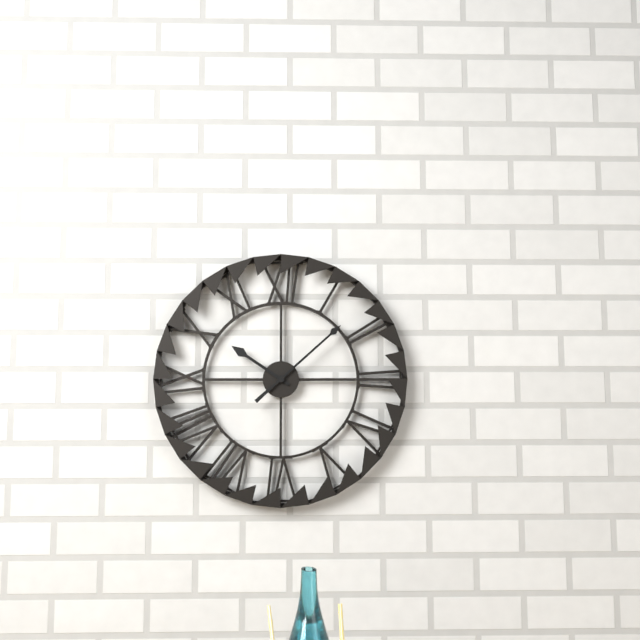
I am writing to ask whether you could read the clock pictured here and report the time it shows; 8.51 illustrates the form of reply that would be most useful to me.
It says 10.08
